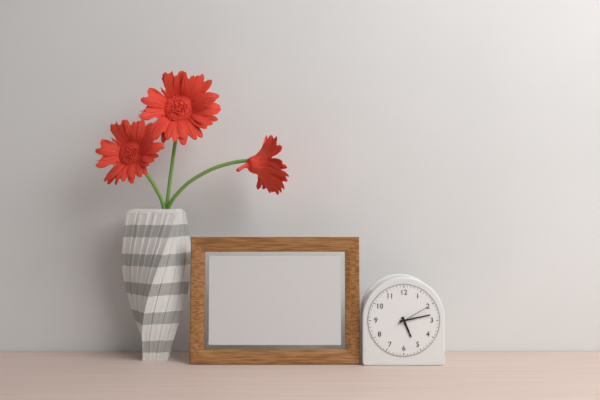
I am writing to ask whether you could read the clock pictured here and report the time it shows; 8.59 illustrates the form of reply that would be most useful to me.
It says 5.13
